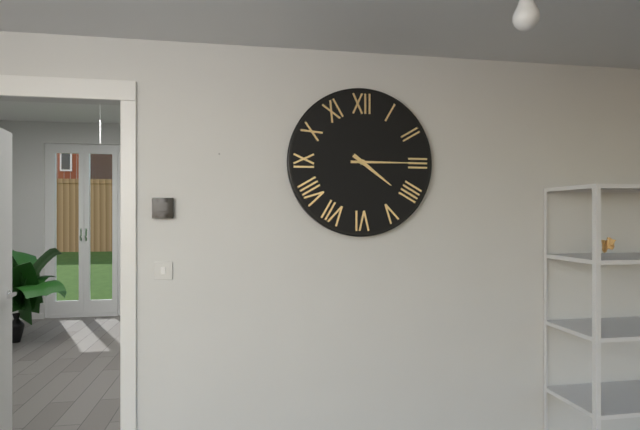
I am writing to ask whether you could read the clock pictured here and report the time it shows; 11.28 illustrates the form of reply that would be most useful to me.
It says 4.15
